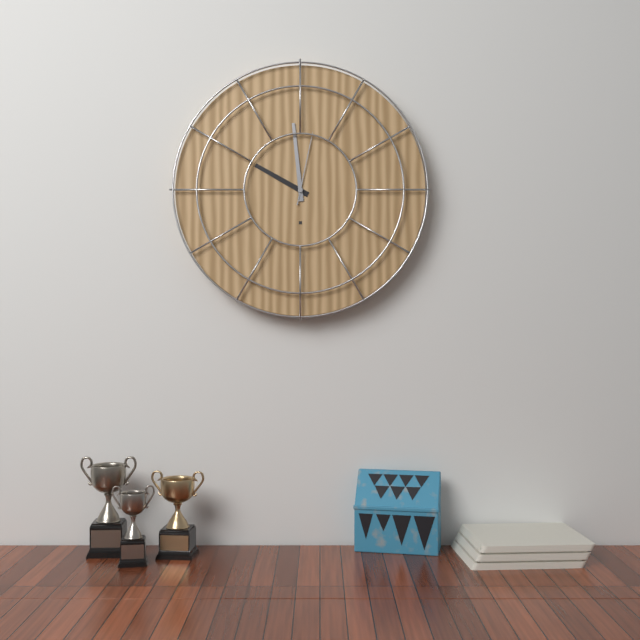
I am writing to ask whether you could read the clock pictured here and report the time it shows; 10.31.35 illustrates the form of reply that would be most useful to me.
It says 9.59.02
